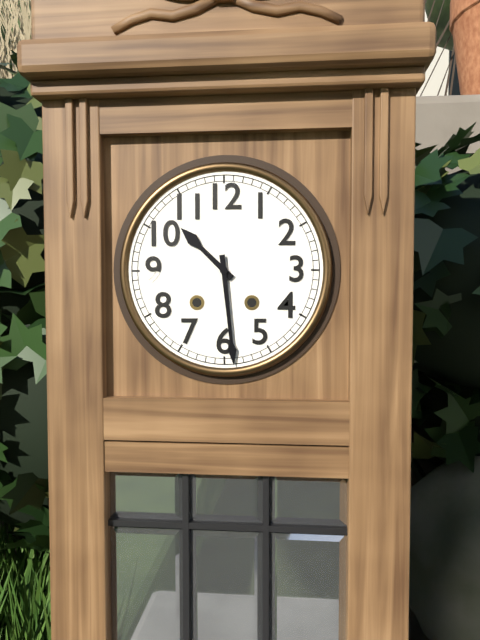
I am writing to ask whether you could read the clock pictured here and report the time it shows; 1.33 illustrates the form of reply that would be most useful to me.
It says 10.29
